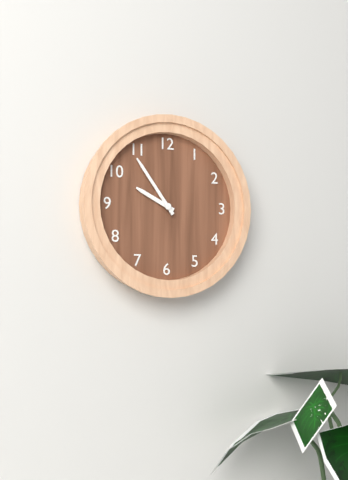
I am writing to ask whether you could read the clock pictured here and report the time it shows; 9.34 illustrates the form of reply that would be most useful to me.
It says 9.54
